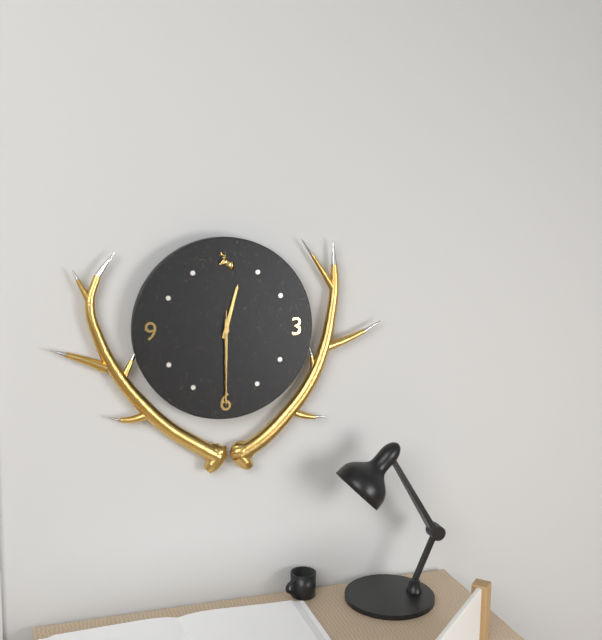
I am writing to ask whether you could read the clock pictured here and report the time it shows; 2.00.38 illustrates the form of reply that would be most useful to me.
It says 12.30.30
